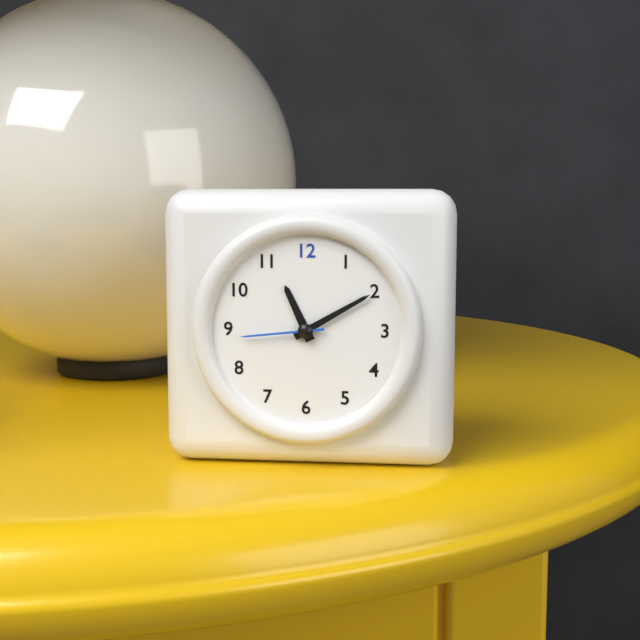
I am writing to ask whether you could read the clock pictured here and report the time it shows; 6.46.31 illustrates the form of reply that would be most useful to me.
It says 11.10.44
